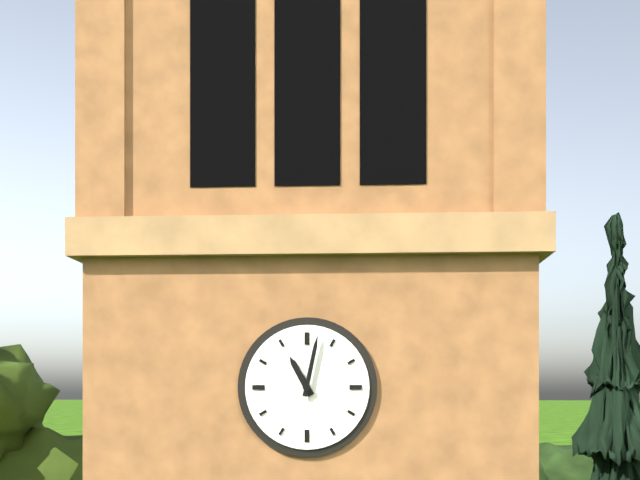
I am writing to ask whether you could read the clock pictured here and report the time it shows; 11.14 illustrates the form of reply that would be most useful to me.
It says 11.02
